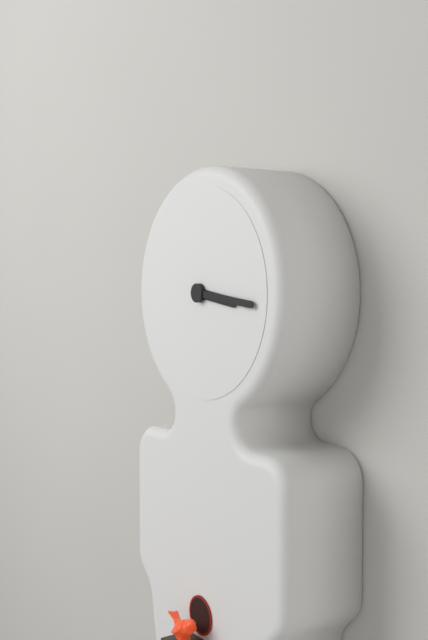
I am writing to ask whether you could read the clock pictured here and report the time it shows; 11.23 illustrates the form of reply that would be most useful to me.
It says 3.16
